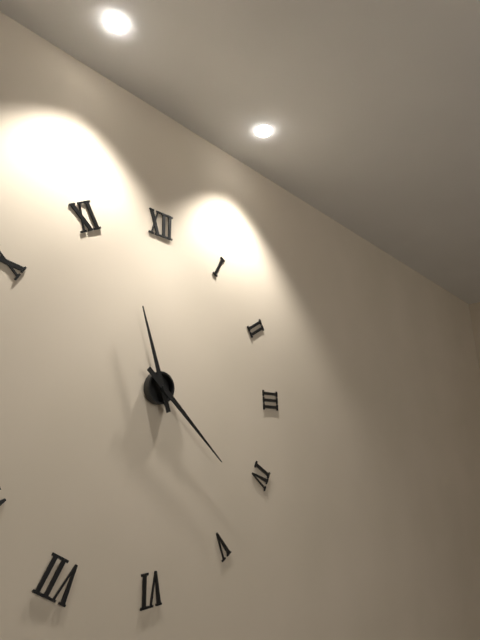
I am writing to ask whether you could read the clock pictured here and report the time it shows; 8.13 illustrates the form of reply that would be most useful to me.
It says 11.22
